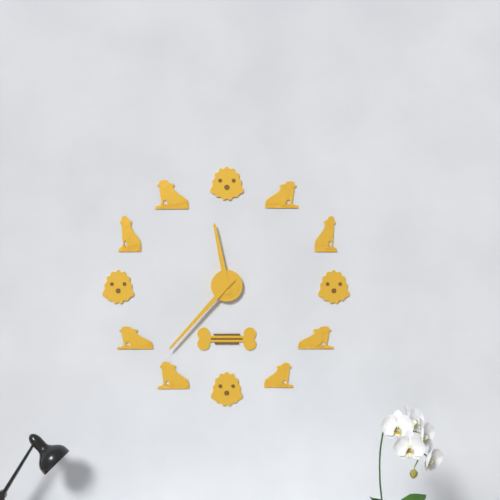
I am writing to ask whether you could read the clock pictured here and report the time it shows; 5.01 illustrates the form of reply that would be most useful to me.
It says 11.37
